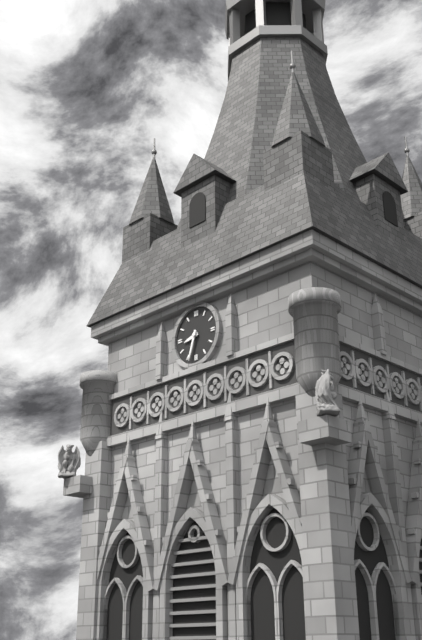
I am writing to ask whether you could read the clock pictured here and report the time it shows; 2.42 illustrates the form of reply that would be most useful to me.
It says 8.33
